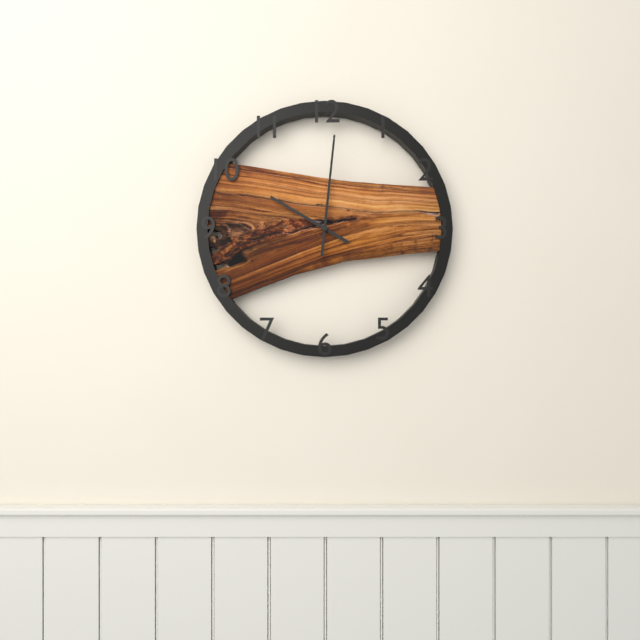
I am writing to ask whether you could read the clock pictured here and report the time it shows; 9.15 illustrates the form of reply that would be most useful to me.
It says 10.01
